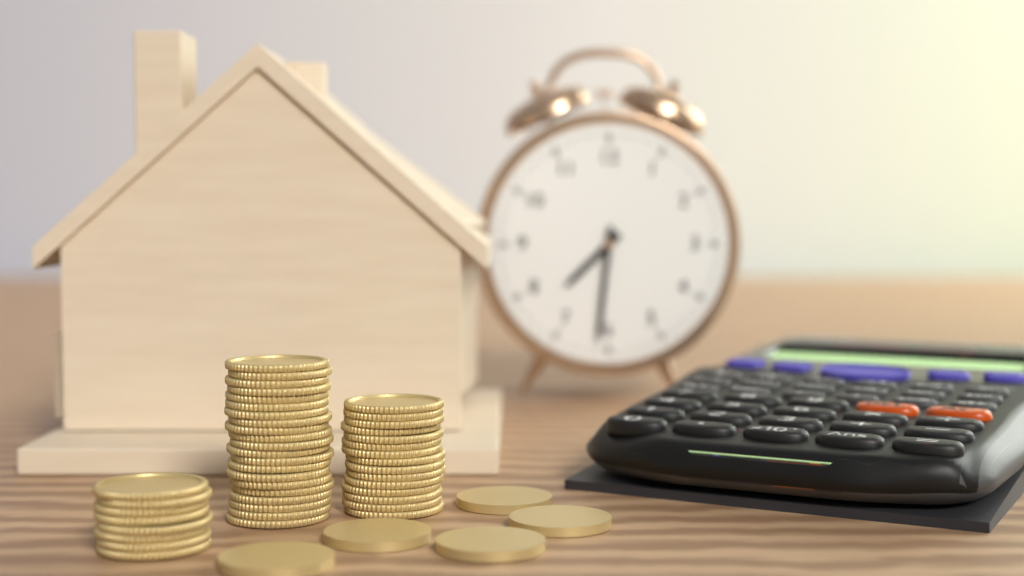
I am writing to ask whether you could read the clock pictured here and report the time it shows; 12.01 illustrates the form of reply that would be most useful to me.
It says 7.31
